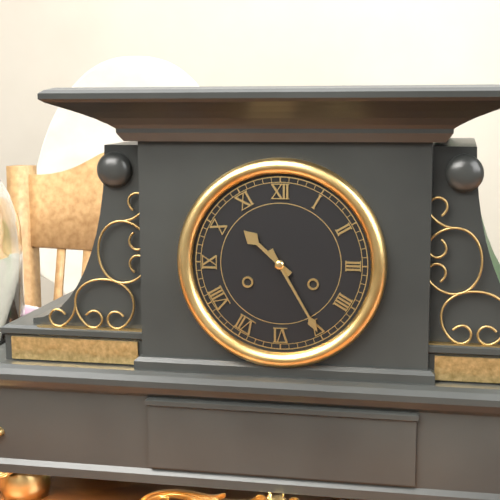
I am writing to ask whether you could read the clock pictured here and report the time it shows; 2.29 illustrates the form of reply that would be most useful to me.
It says 10.25
